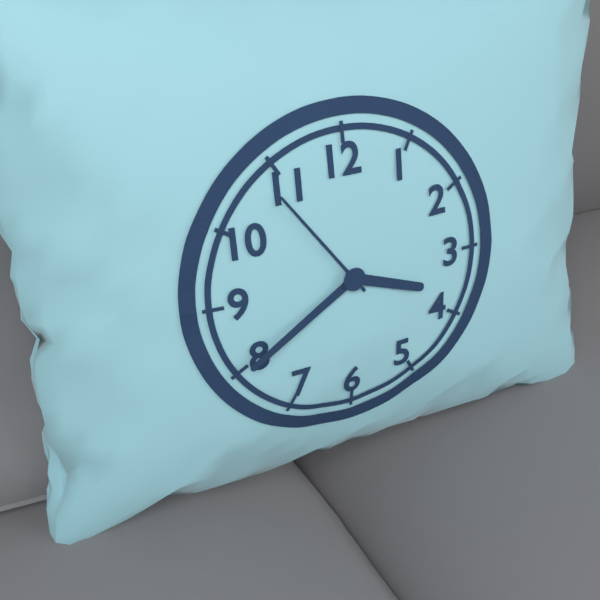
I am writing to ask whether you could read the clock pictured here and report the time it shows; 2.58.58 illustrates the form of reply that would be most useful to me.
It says 3.40.54
